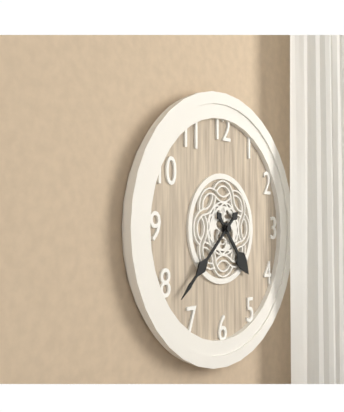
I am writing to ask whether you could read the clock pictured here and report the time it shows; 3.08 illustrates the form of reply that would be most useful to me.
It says 4.38
